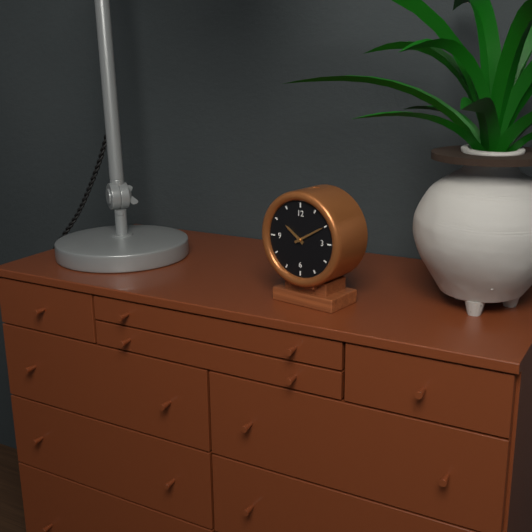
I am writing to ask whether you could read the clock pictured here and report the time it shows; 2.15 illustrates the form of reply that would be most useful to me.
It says 10.10
